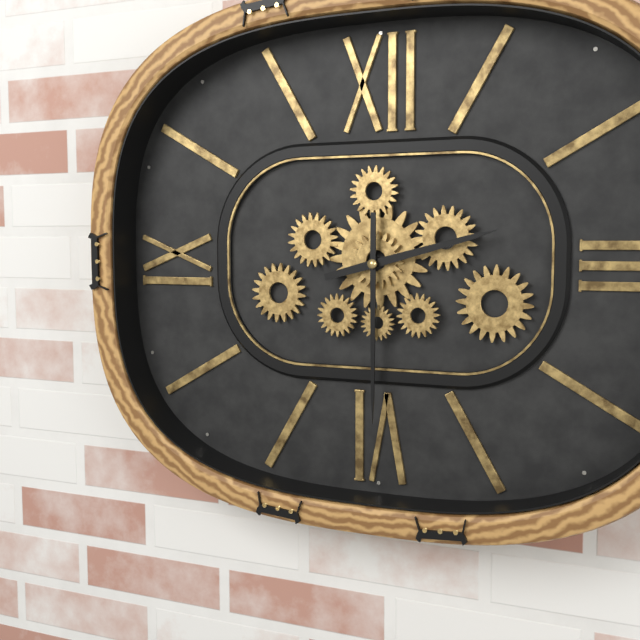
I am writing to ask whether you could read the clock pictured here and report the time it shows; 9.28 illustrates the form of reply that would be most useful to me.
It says 2.30
